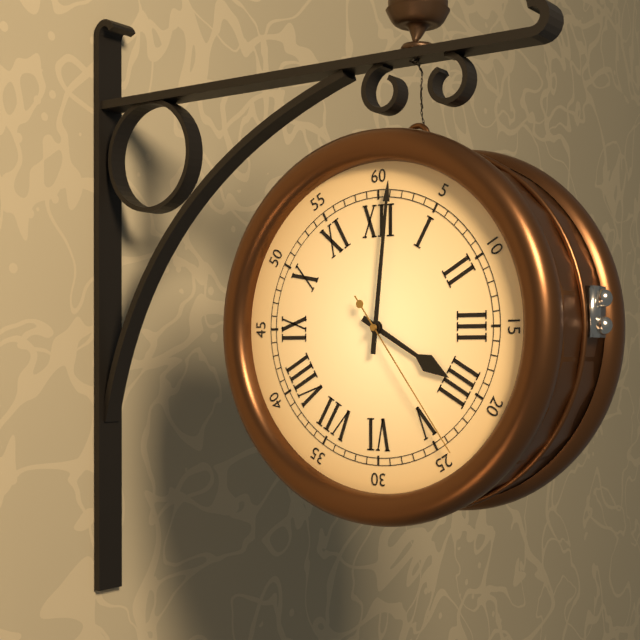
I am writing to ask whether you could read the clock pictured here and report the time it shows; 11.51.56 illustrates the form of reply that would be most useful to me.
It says 4.01.24
